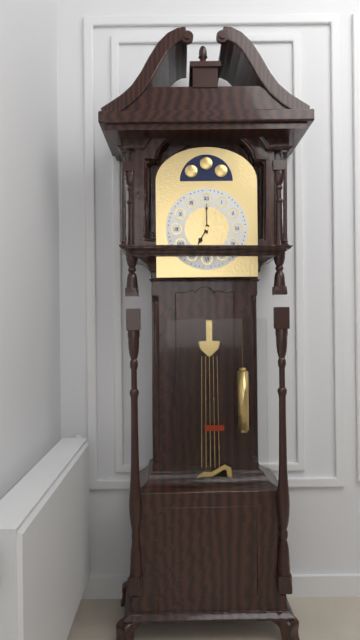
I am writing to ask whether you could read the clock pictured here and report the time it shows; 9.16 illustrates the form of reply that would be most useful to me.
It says 7.00
